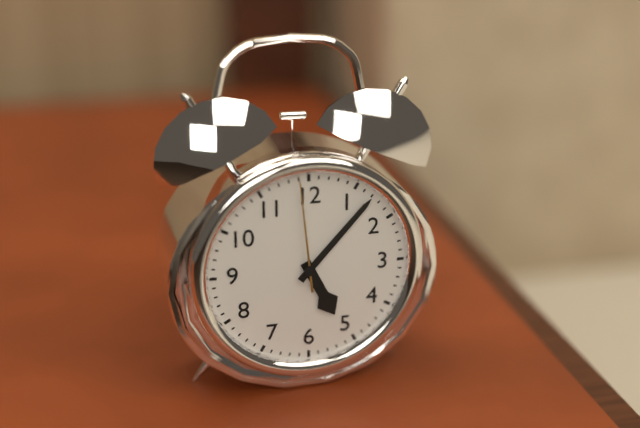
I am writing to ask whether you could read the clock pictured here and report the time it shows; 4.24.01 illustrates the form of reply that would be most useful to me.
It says 5.07.59
